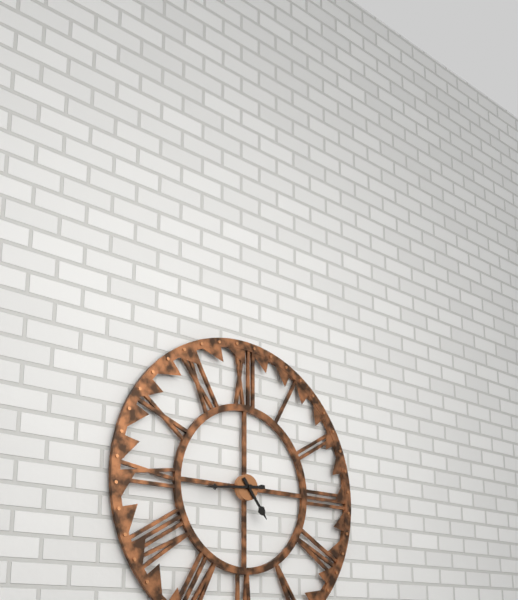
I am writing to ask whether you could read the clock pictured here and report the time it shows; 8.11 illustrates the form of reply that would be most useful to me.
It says 4.44
